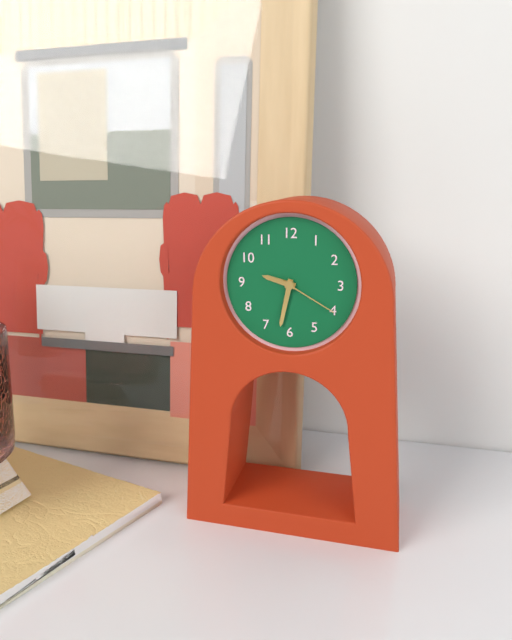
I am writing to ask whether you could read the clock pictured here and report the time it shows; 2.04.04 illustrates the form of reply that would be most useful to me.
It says 9.32.20
